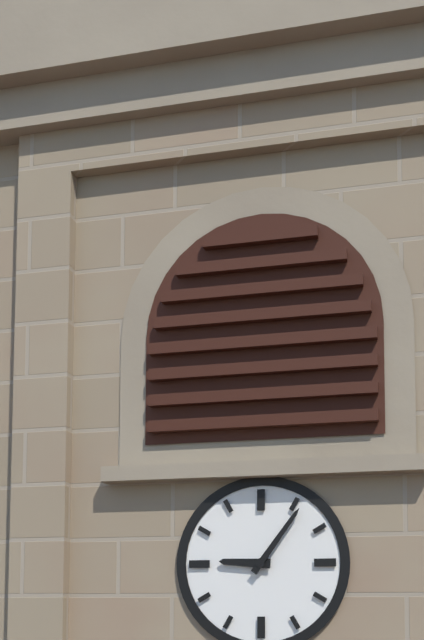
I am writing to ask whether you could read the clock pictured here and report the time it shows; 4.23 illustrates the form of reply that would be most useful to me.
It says 9.06
